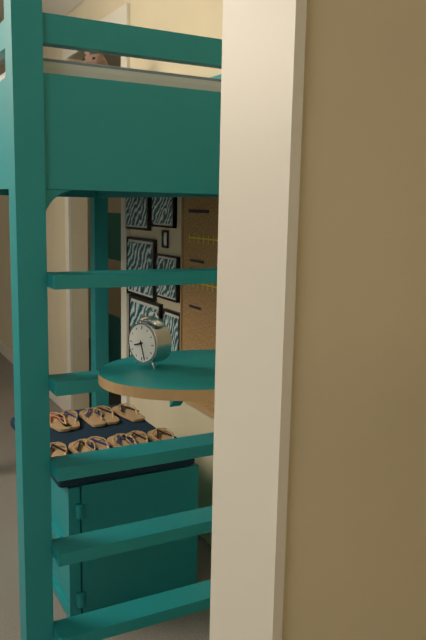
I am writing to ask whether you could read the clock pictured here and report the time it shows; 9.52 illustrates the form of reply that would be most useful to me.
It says 8.27
